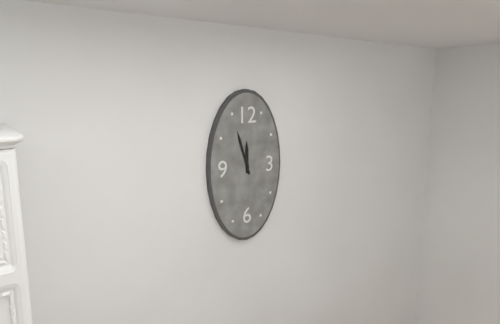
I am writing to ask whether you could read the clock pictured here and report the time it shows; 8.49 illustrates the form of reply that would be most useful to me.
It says 11.57
